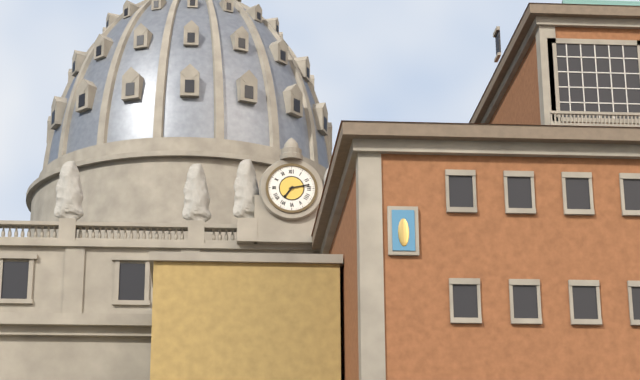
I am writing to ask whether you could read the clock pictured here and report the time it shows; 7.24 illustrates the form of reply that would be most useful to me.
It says 7.13
